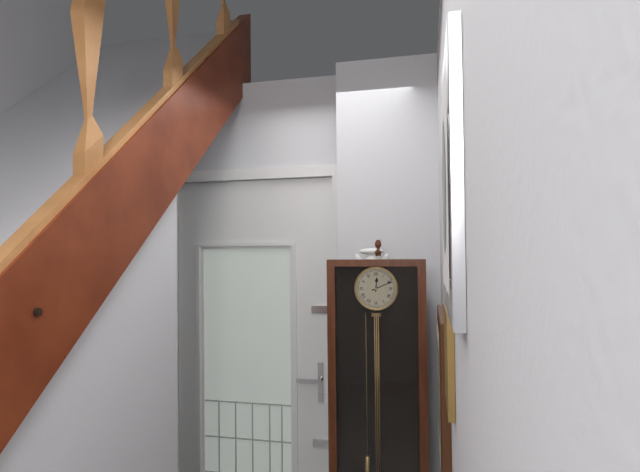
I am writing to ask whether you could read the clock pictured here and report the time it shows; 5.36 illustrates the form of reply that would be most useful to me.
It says 12.11
